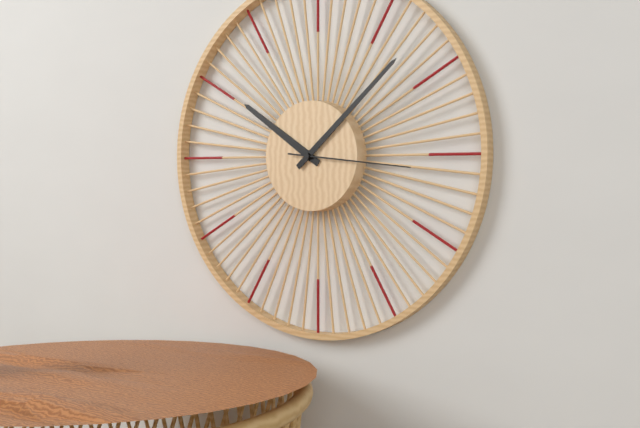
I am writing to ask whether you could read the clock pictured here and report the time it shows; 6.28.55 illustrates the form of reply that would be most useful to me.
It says 10.08.16
